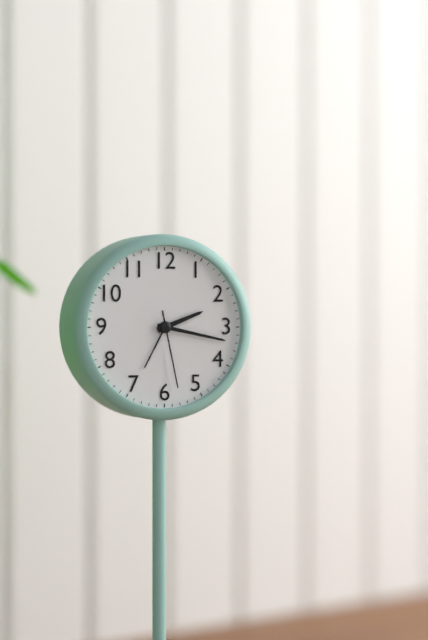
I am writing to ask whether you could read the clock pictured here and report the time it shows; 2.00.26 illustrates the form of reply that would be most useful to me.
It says 2.17.28
